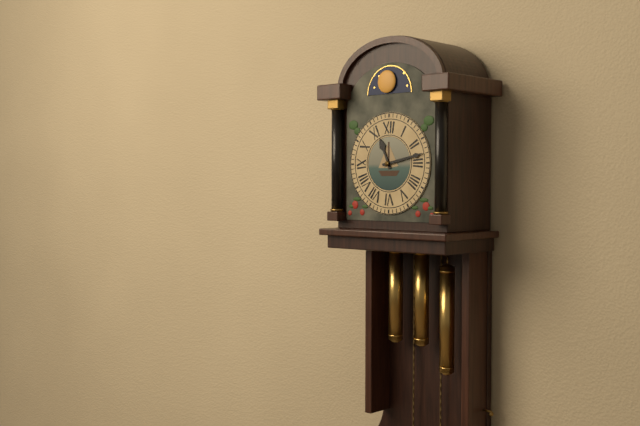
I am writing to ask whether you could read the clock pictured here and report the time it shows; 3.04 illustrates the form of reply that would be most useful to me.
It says 11.13
